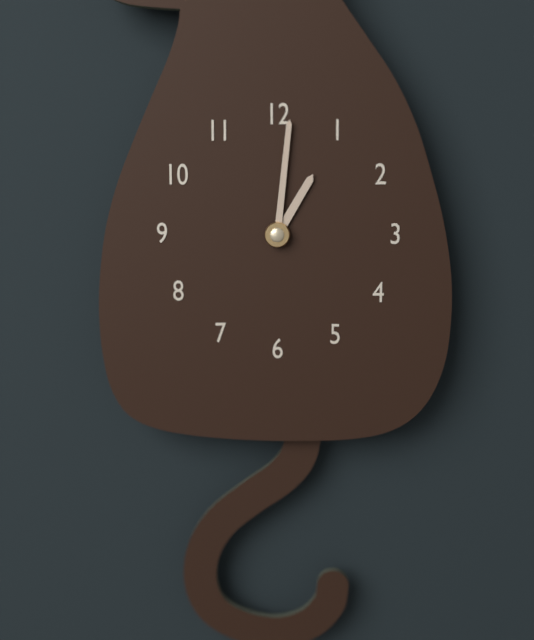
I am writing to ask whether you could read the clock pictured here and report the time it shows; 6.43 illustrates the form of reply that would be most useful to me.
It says 1.01
